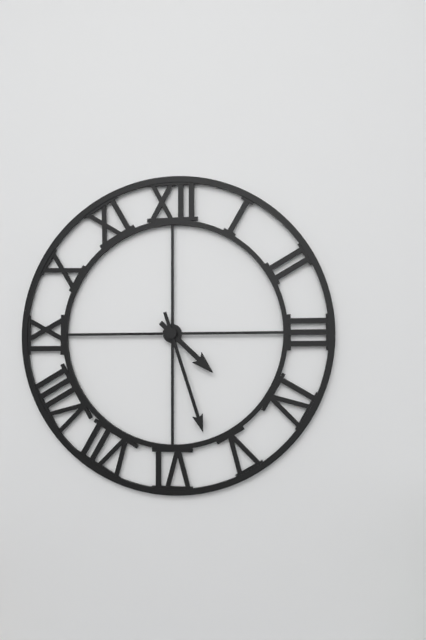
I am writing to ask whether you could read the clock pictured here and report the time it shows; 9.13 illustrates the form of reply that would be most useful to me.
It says 4.27
